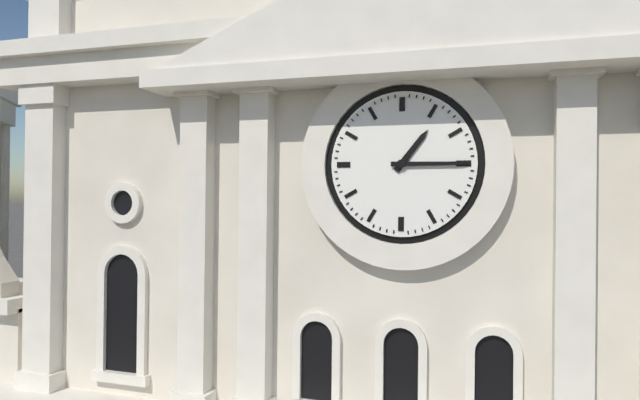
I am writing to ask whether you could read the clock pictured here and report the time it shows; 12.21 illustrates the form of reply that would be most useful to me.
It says 1.15
